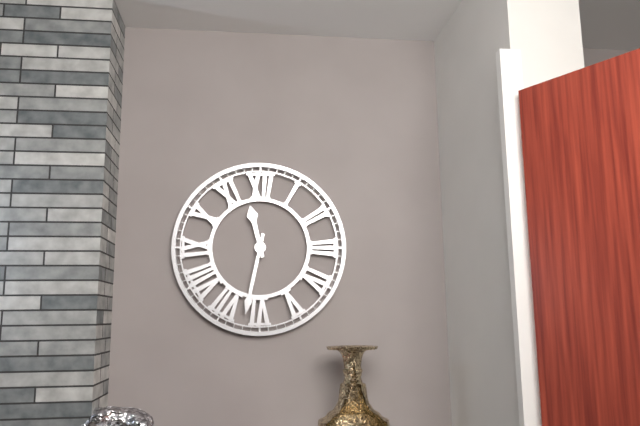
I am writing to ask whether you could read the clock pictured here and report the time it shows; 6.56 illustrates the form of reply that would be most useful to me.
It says 11.32
